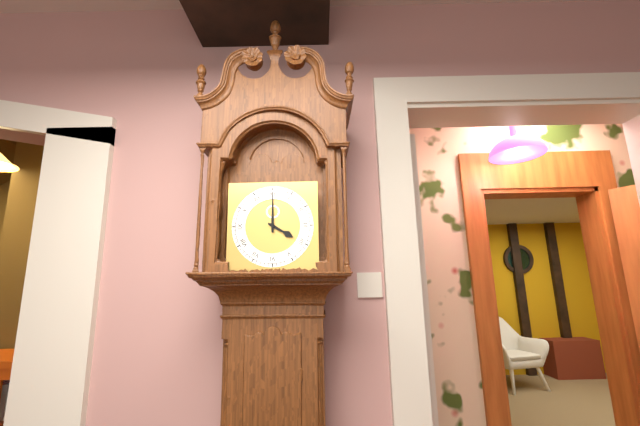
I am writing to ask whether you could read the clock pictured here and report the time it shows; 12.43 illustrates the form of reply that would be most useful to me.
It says 4.00
